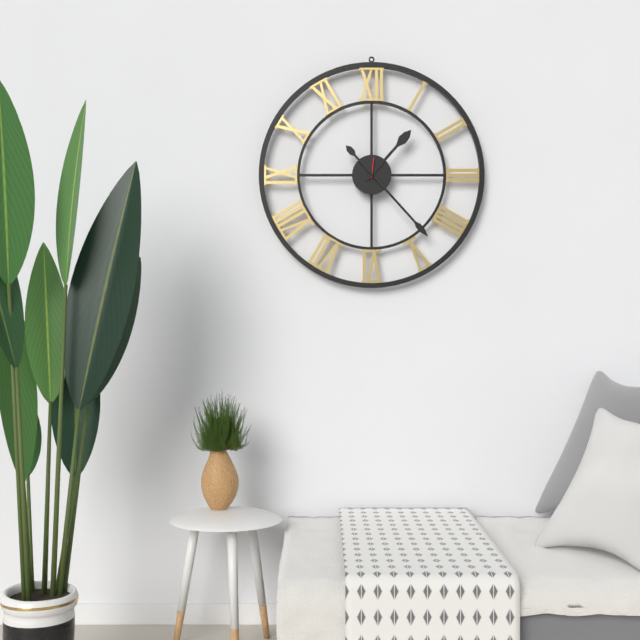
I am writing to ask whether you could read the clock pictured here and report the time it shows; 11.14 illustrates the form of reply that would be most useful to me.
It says 1.23
